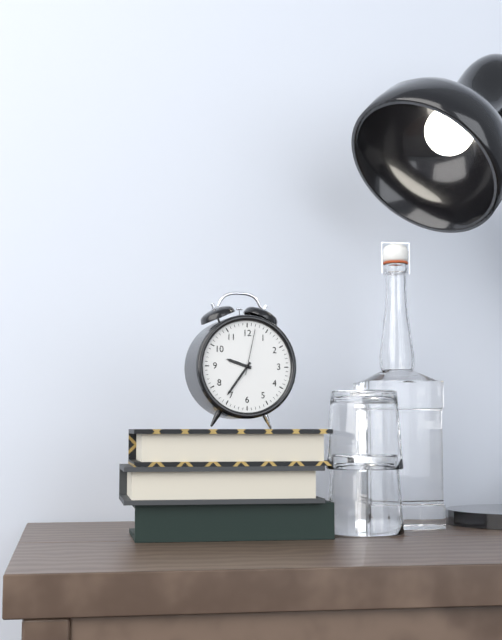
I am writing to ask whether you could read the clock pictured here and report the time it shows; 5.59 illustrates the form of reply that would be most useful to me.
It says 9.36
